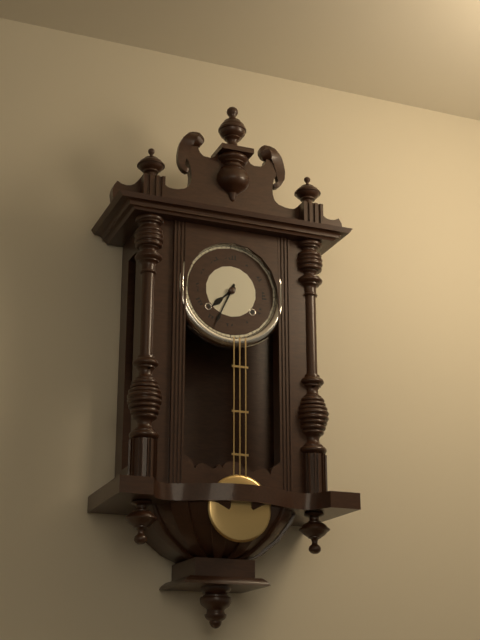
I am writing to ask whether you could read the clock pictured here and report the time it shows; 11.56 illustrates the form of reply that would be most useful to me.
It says 7.34
